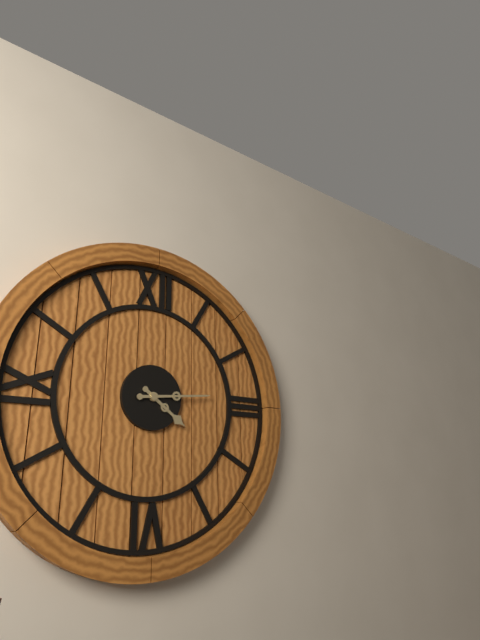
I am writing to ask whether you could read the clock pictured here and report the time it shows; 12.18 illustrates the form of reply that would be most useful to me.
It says 4.14
